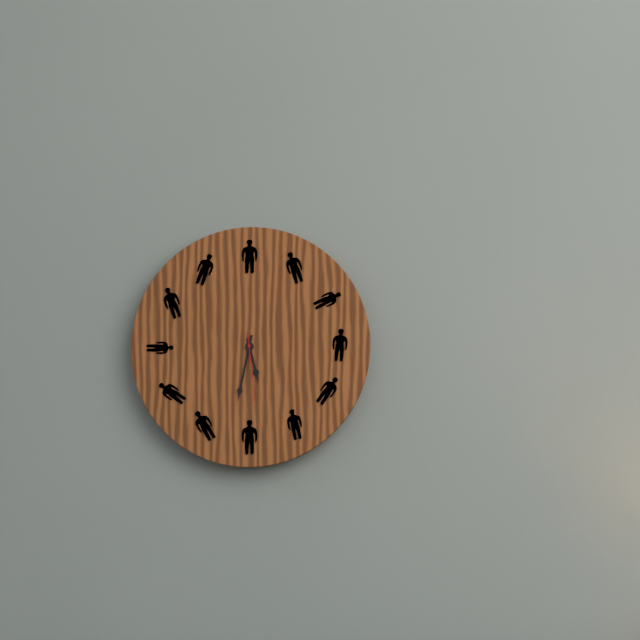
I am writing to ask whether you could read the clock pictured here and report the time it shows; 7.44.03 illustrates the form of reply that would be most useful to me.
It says 5.32.29
